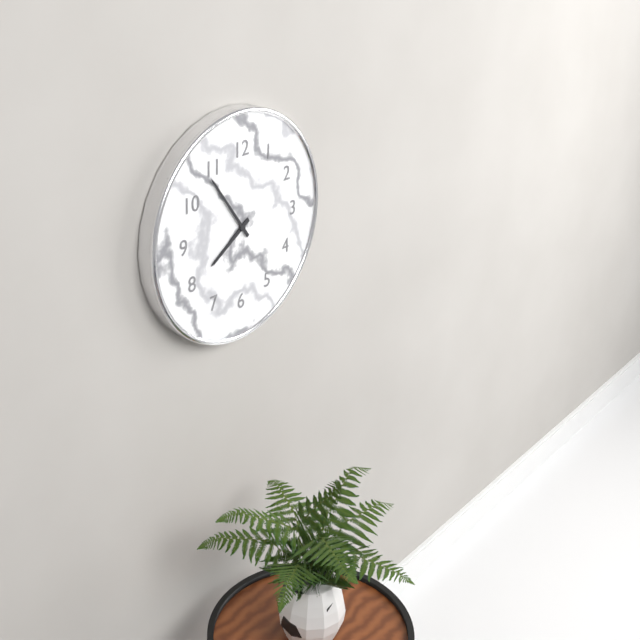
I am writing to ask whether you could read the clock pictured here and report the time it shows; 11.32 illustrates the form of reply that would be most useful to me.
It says 7.54
